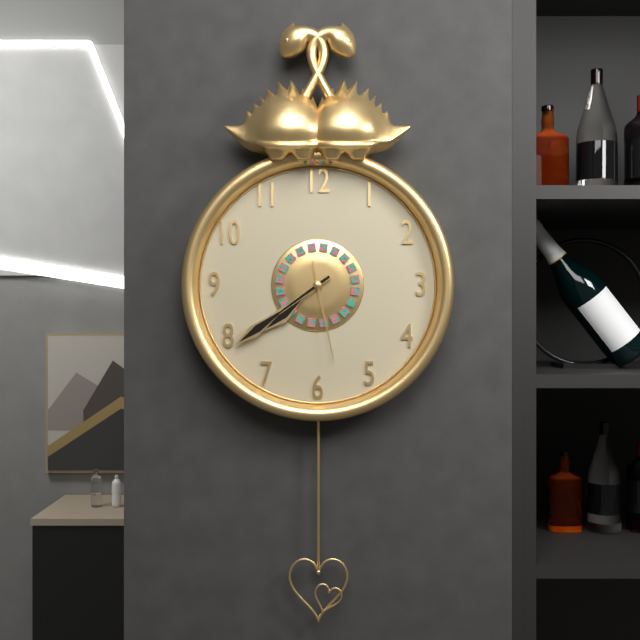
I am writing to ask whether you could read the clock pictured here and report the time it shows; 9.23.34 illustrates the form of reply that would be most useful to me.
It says 7.39.28
